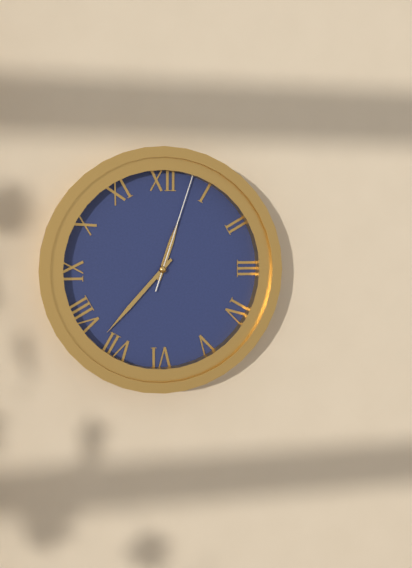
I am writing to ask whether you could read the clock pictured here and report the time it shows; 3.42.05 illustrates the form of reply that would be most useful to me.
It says 12.37.03
